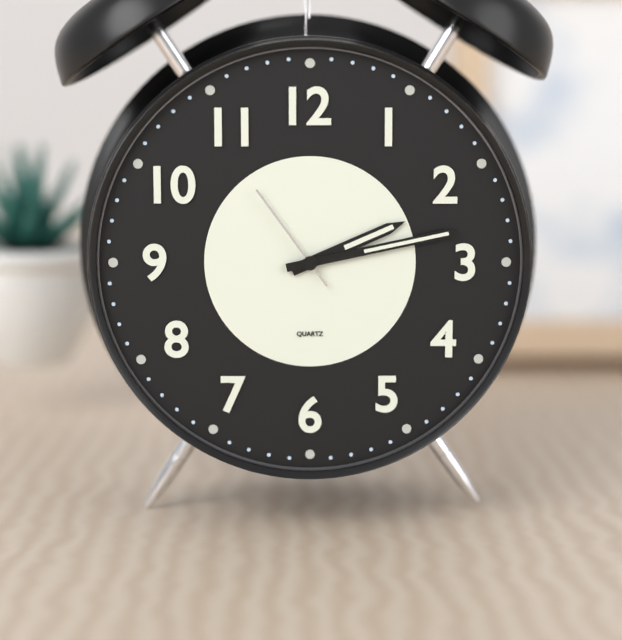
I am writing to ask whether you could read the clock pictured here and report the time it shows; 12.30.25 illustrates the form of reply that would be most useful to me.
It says 2.13.54
